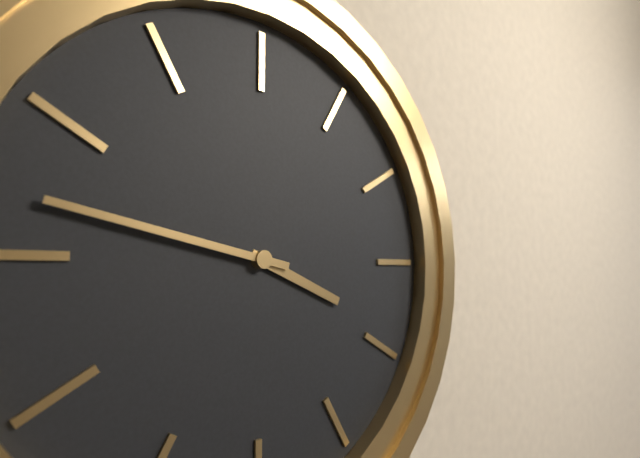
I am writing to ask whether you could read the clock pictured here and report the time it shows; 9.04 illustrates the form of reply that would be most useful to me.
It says 3.47
